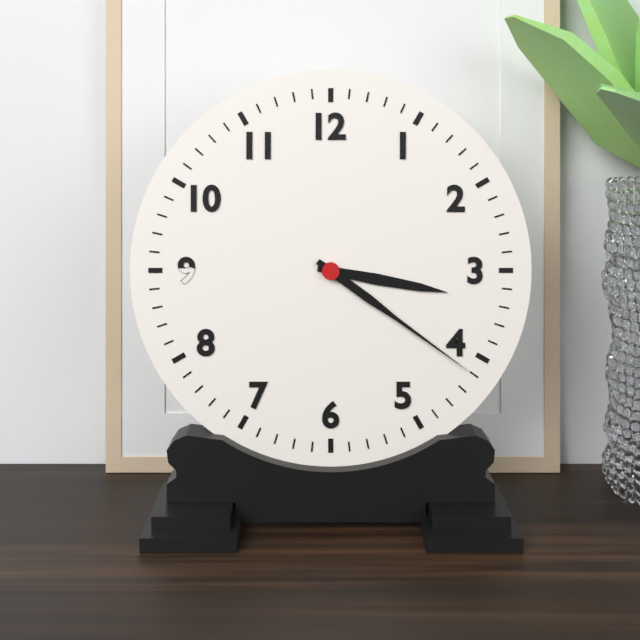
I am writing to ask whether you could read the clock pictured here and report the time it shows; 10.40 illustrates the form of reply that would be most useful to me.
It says 3.21
